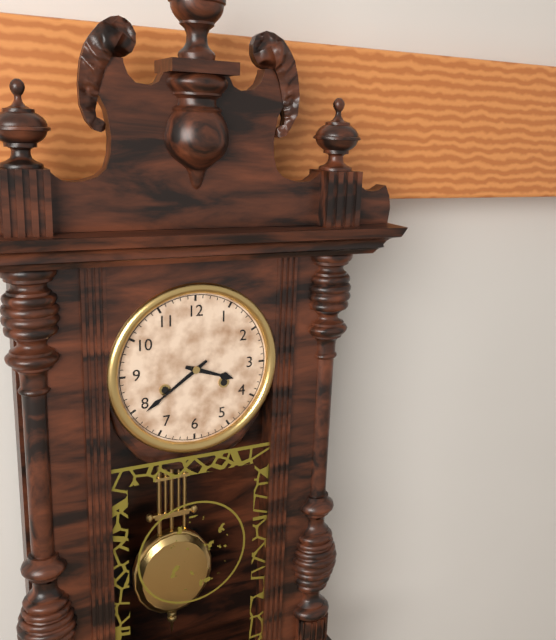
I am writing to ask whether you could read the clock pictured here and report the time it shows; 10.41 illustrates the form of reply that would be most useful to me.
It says 3.39
